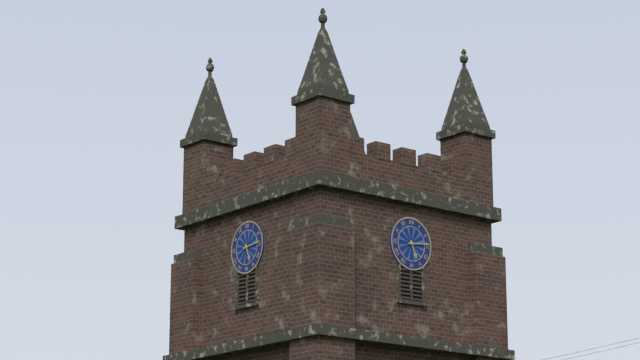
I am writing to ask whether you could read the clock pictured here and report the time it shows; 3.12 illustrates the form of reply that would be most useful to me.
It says 5.14
